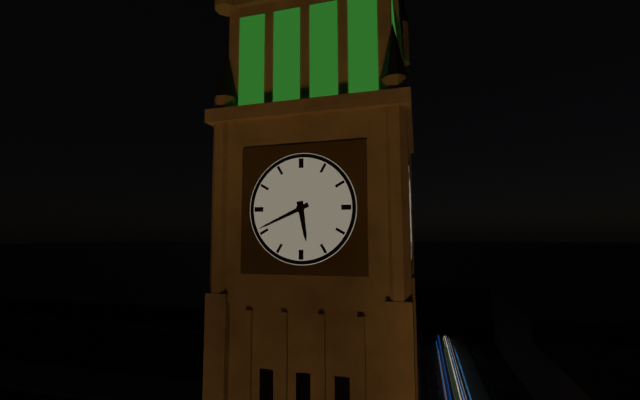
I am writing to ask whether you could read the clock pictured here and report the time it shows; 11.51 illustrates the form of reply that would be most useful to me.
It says 5.41
